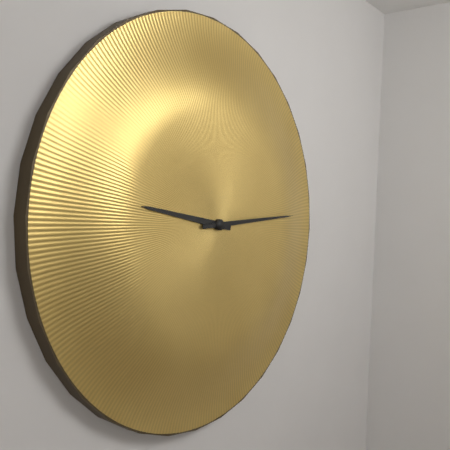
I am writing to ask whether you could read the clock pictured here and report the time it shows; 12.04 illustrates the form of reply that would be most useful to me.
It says 9.14
